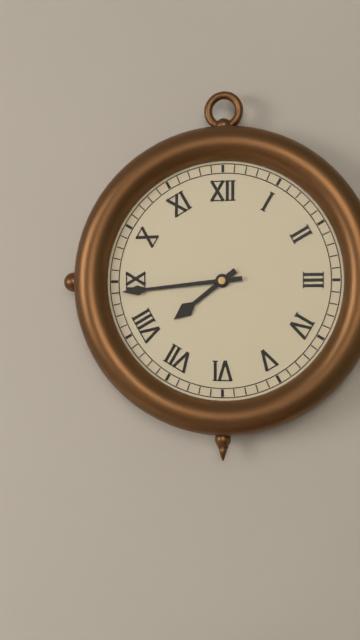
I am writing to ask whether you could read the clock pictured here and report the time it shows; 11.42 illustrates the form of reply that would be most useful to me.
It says 7.44
